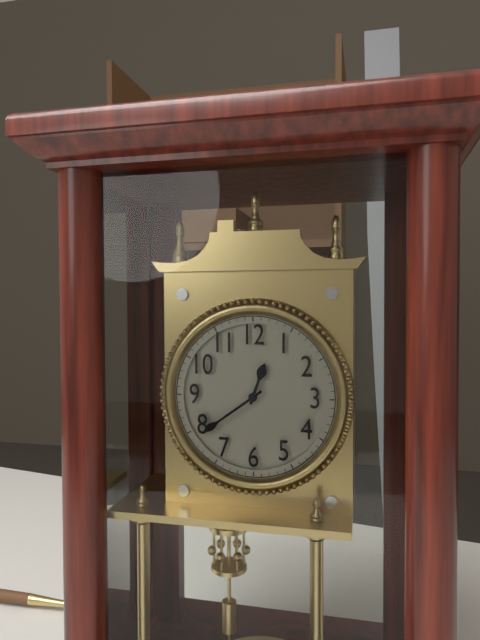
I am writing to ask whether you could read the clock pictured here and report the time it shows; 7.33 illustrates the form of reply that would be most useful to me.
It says 12.39
